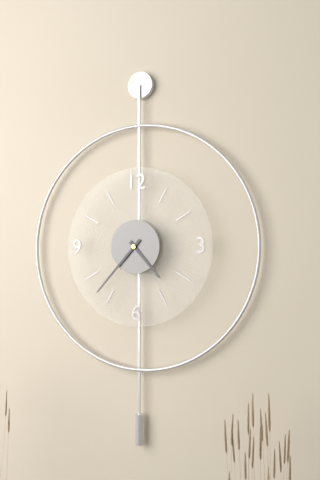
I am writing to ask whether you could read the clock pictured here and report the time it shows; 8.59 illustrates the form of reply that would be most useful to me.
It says 4.37
